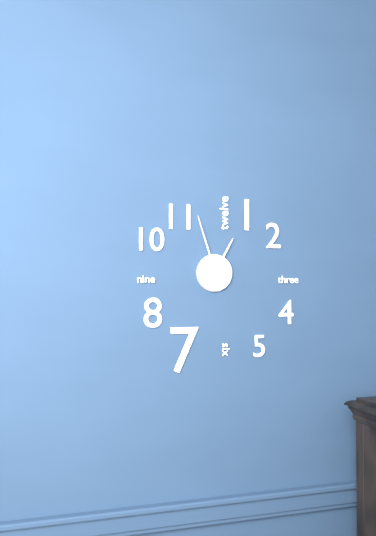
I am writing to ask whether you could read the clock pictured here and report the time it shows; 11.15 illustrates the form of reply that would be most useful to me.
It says 12.57
